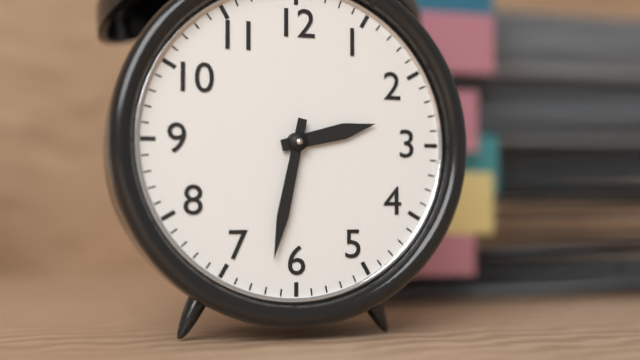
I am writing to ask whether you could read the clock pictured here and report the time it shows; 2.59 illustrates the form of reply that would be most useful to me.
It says 2.32
